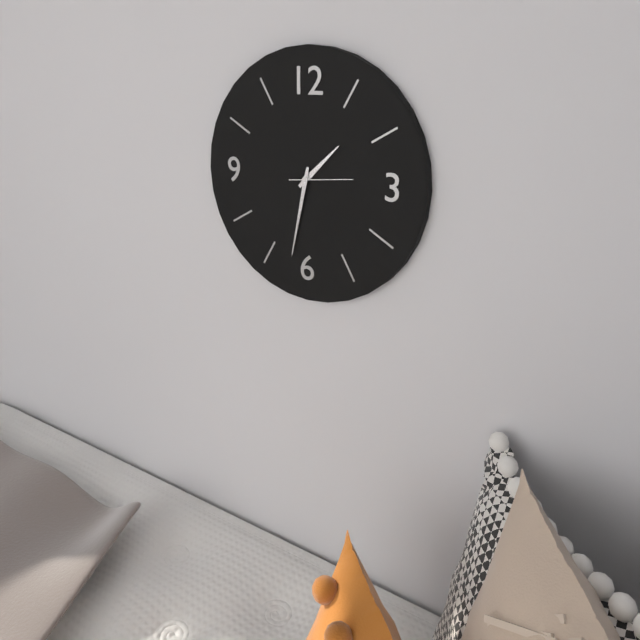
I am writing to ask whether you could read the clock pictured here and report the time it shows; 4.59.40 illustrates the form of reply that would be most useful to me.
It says 1.32.14
